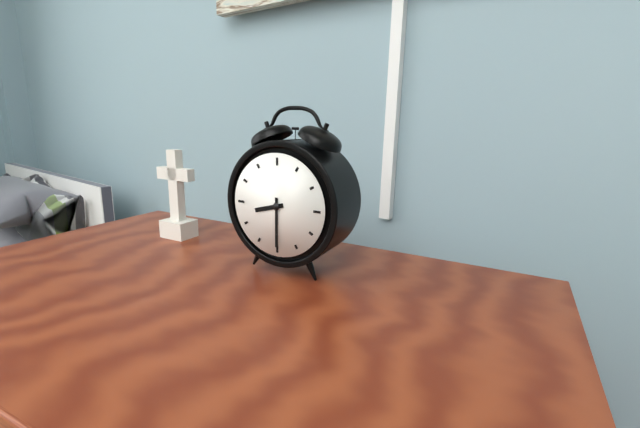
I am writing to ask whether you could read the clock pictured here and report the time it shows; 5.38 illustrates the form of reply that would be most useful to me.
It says 8.30
